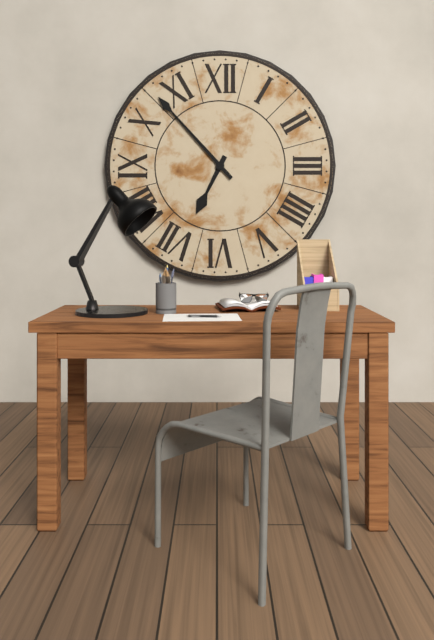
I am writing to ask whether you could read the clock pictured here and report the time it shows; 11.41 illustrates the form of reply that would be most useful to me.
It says 6.53
